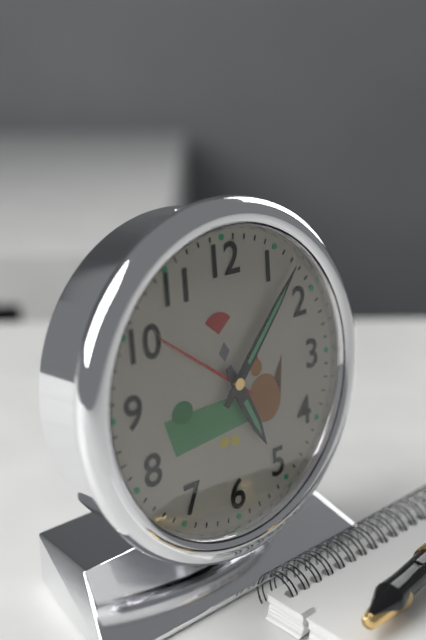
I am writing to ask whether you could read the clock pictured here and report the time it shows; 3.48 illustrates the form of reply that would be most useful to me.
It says 5.07
